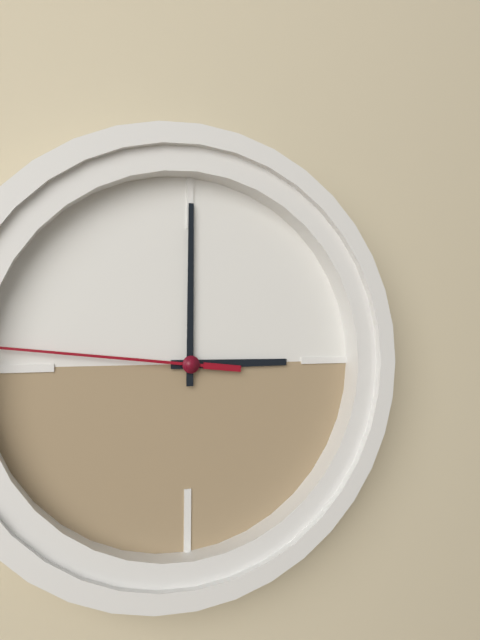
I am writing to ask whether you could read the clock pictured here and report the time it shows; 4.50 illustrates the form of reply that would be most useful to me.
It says 3.00
